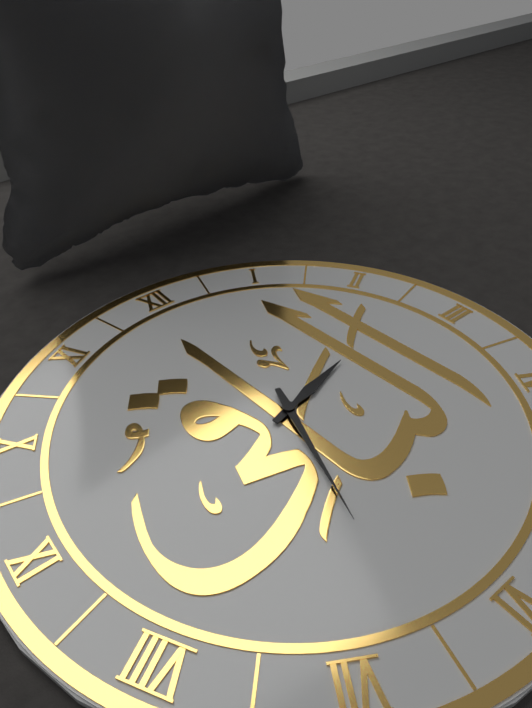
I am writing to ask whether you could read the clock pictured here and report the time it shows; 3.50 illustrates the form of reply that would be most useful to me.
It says 2.33
